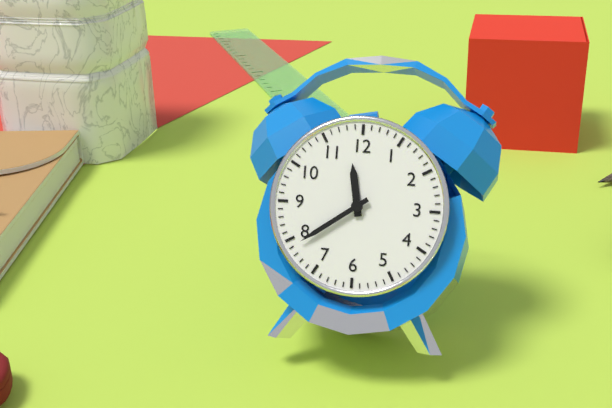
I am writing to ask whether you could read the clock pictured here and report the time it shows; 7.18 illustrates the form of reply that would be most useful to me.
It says 11.39
